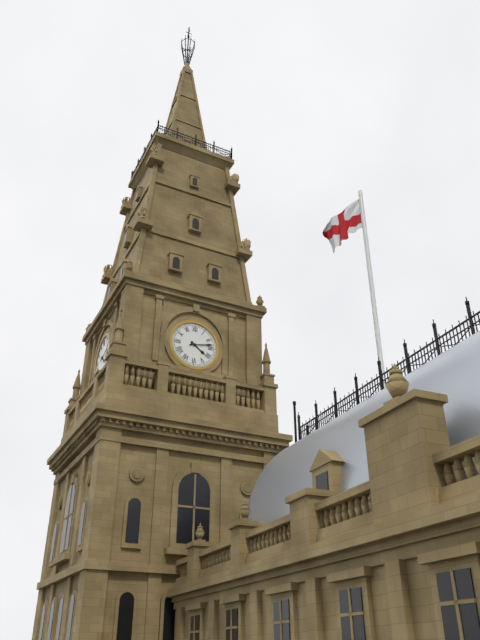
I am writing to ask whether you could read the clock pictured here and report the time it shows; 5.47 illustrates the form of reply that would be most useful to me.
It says 4.13
